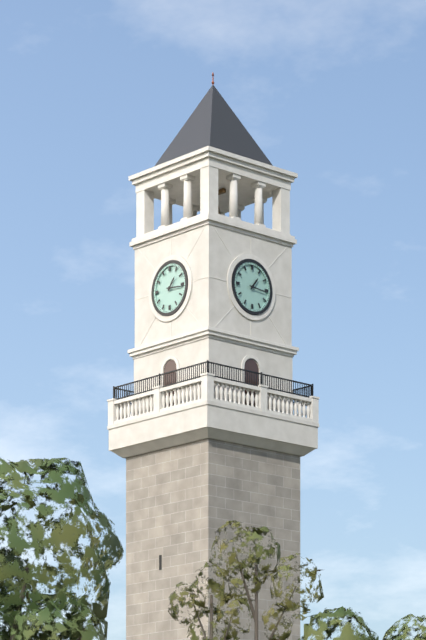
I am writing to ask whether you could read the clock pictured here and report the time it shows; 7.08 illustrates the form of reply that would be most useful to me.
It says 1.16
